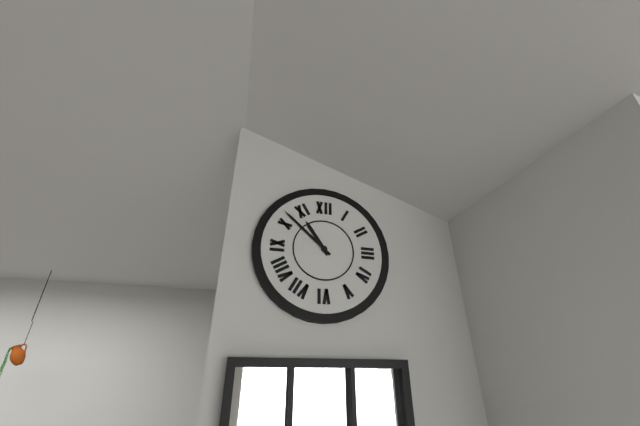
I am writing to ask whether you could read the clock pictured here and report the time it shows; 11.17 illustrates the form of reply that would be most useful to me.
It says 10.52
